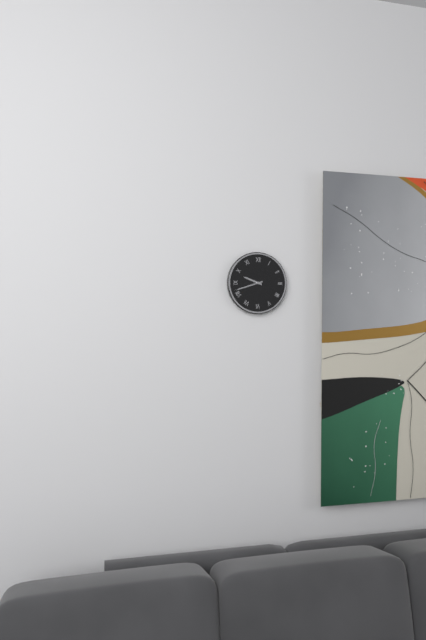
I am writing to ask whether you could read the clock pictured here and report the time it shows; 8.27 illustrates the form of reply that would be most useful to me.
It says 9.42
